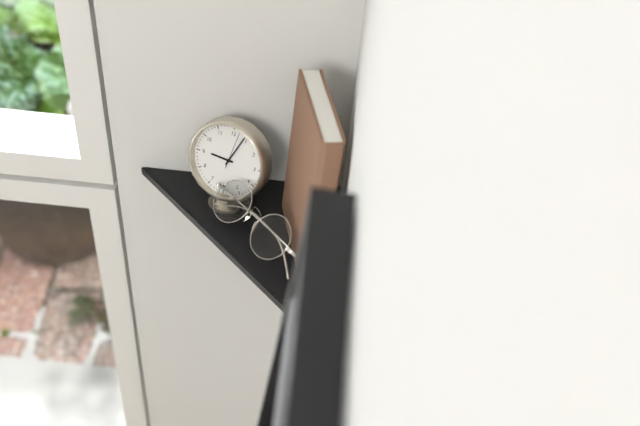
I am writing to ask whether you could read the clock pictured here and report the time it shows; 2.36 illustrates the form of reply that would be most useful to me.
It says 9.04
